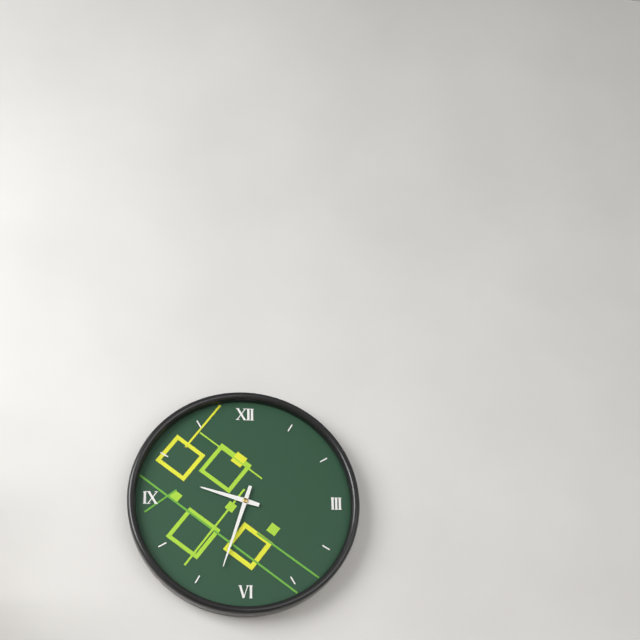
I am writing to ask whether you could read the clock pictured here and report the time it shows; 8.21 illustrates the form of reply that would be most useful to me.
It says 9.33
